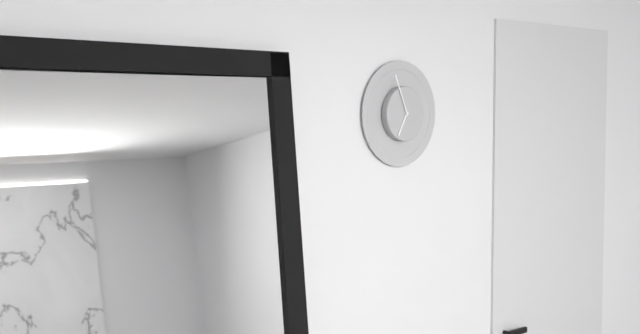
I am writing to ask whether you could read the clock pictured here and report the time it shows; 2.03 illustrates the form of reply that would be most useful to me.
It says 6.56
